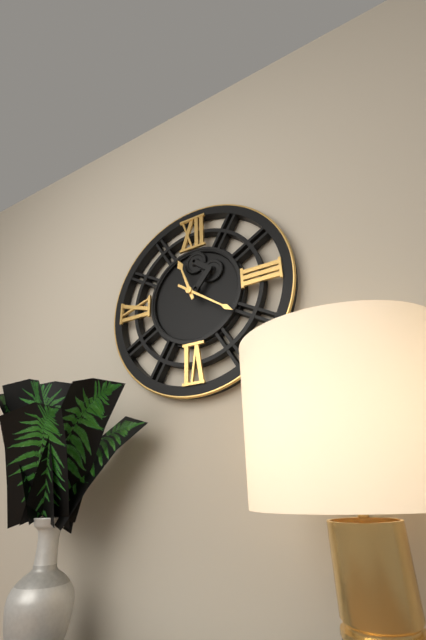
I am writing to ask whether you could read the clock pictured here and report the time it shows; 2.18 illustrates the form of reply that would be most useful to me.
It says 11.21
